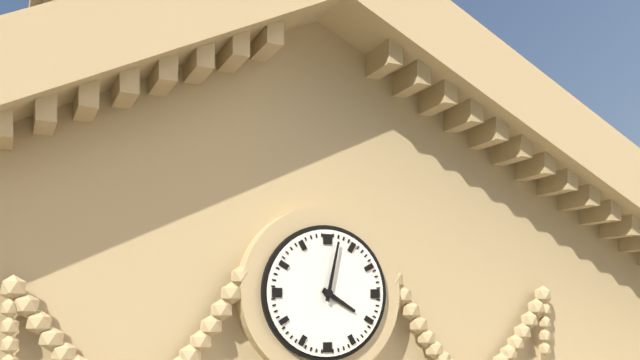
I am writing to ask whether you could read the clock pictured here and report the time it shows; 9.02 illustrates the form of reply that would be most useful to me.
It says 4.02
